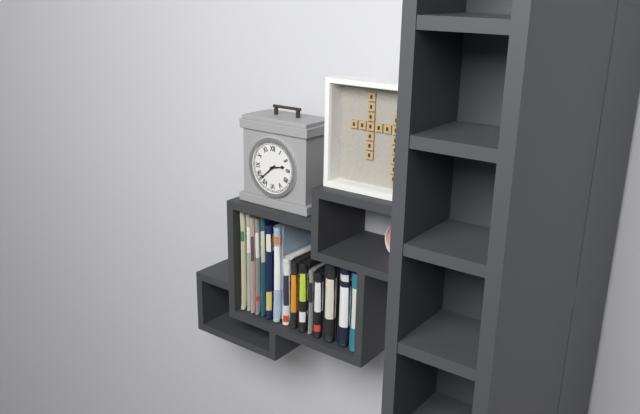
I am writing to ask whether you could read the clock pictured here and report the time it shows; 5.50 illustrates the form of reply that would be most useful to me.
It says 2.38
